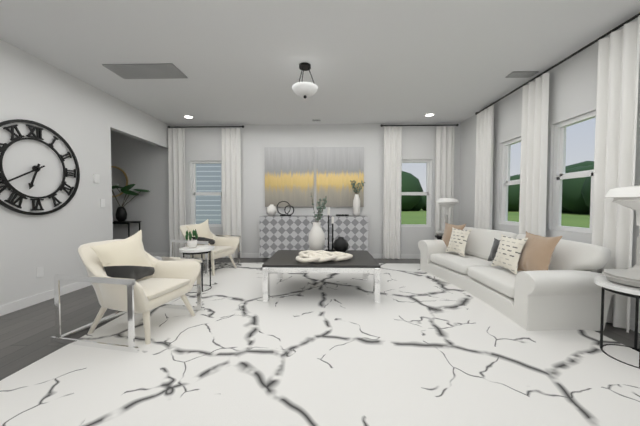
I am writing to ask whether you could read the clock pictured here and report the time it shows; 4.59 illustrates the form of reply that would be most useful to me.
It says 6.40
